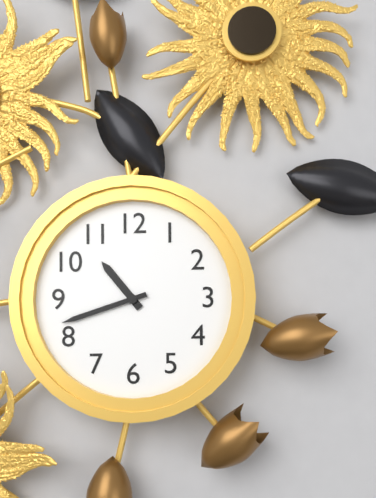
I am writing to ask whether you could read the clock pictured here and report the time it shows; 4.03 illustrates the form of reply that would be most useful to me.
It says 10.42
